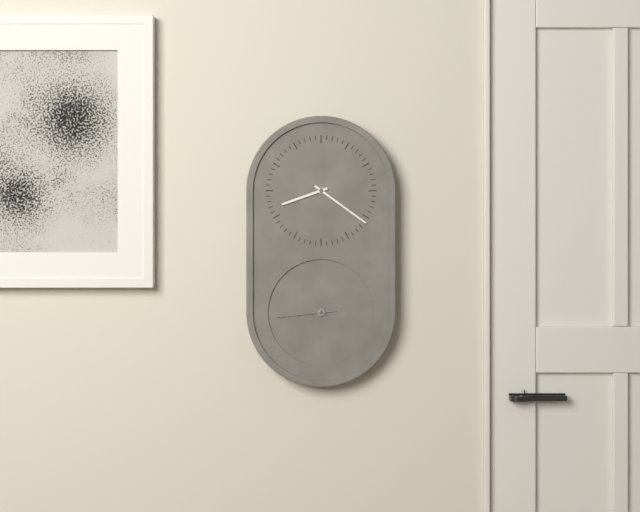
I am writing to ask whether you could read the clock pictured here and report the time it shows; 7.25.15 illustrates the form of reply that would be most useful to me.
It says 8.21.44
